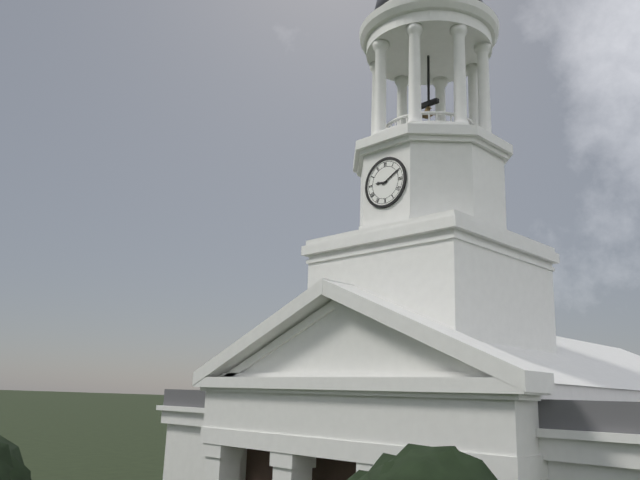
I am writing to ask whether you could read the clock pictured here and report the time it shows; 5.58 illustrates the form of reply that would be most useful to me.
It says 9.10
